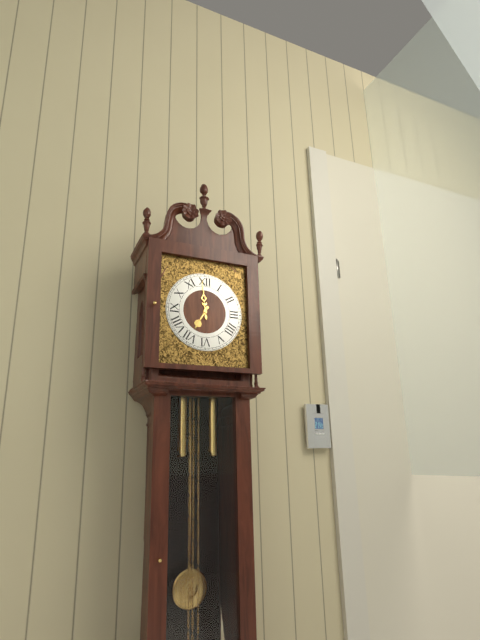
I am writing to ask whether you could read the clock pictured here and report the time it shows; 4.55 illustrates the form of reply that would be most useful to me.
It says 6.59
